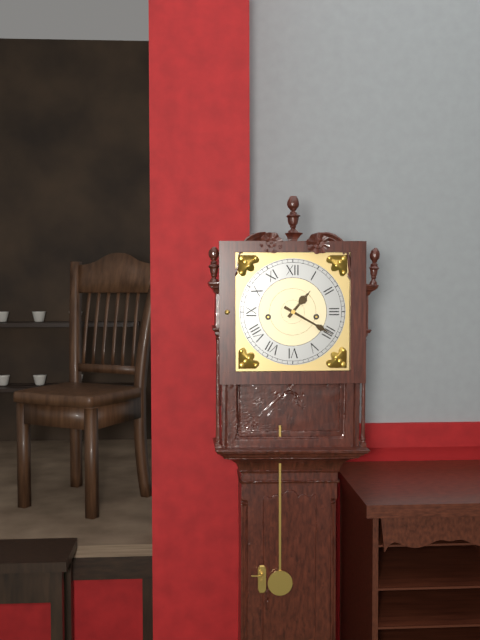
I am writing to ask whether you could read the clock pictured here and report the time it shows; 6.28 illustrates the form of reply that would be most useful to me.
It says 1.20
